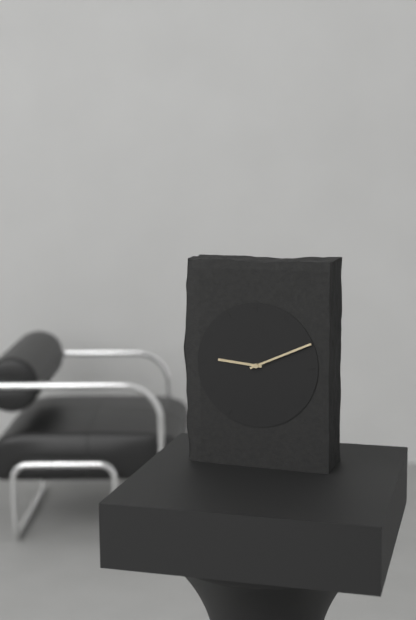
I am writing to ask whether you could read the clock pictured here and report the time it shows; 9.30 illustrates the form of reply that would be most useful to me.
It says 9.11
